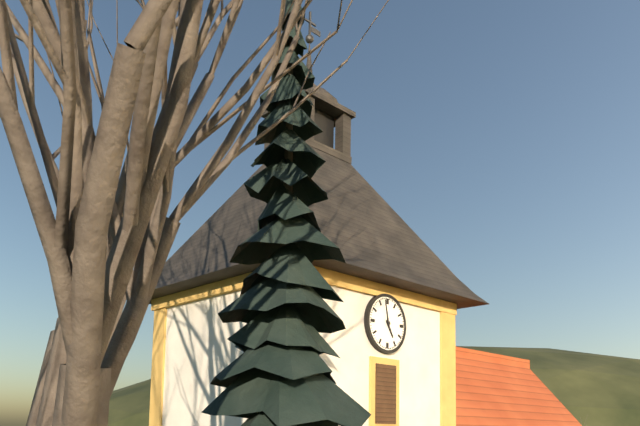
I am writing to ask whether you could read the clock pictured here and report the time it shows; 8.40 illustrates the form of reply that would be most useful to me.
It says 4.58
